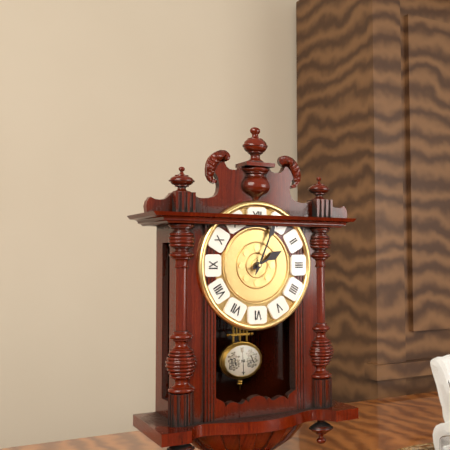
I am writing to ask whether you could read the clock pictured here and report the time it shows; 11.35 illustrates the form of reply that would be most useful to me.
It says 2.04
